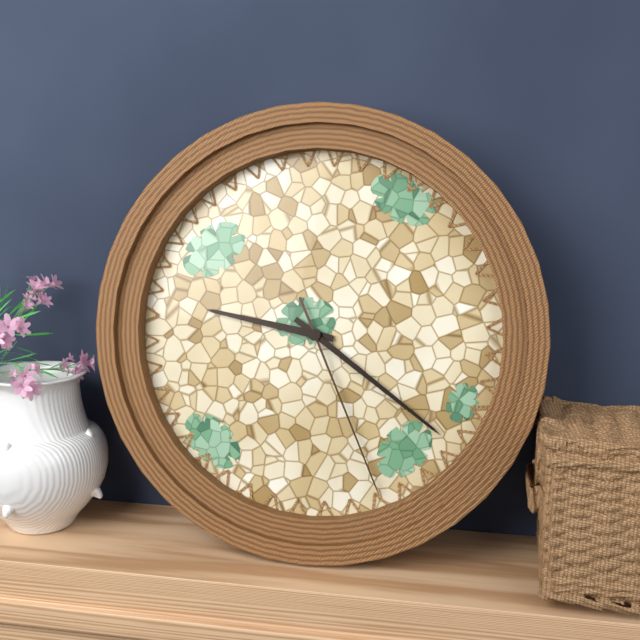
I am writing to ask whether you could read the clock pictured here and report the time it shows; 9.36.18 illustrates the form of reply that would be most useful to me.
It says 9.21.26
